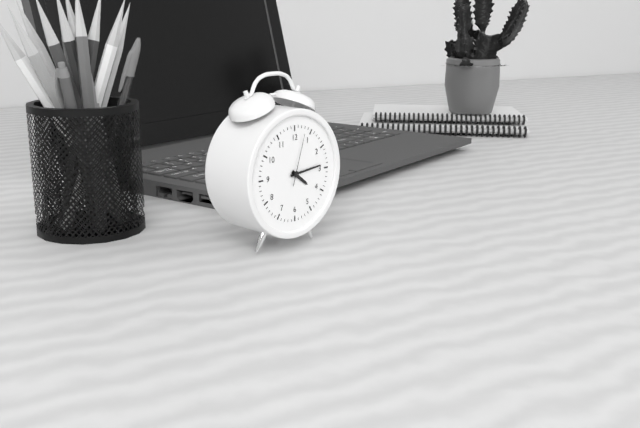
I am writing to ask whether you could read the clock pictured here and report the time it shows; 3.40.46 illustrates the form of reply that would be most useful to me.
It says 4.14.03
